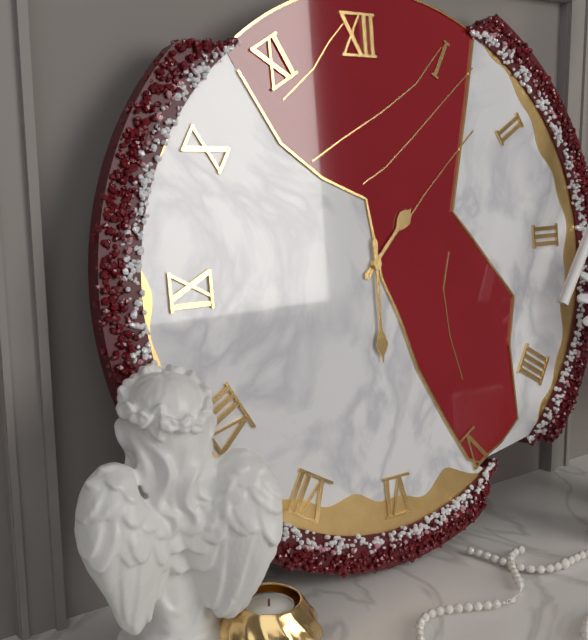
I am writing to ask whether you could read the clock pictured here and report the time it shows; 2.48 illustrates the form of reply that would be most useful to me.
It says 1.30
